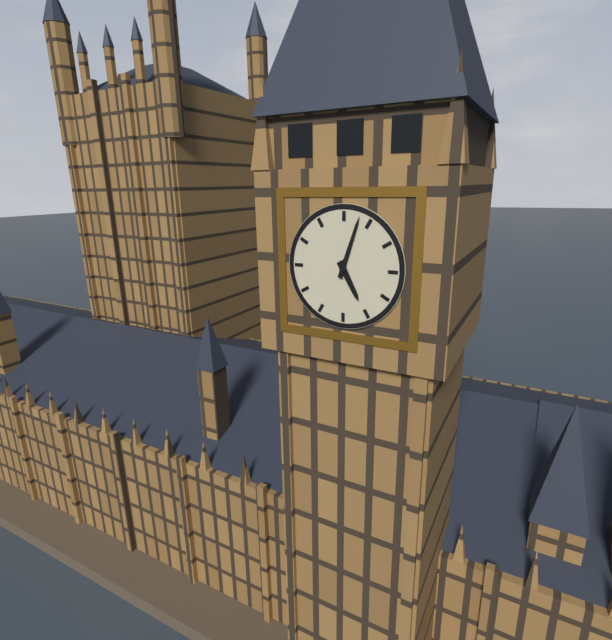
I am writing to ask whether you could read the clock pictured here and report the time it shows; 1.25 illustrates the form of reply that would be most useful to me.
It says 5.03
